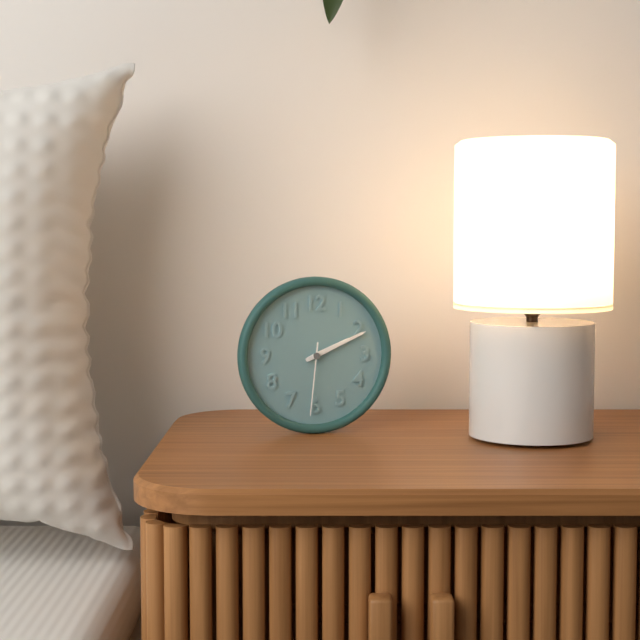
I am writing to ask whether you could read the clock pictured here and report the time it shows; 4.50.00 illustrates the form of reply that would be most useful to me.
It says 2.11.31
